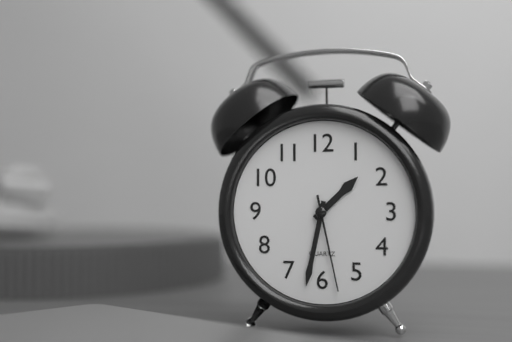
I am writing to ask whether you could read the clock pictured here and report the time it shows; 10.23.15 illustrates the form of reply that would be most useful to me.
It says 1.32.28
